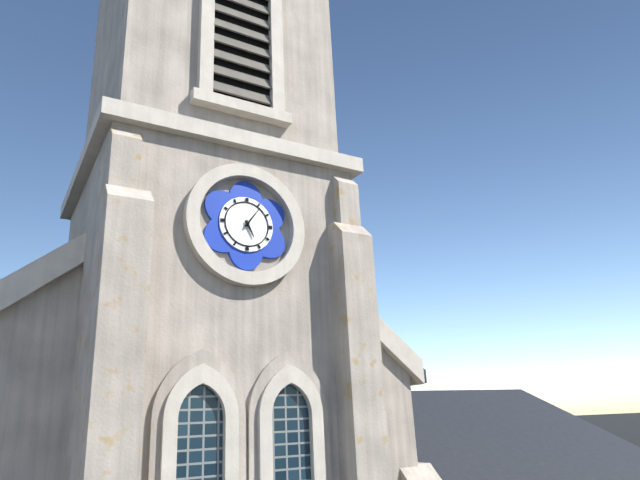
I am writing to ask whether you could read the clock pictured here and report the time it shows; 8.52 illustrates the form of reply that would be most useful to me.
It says 5.06
